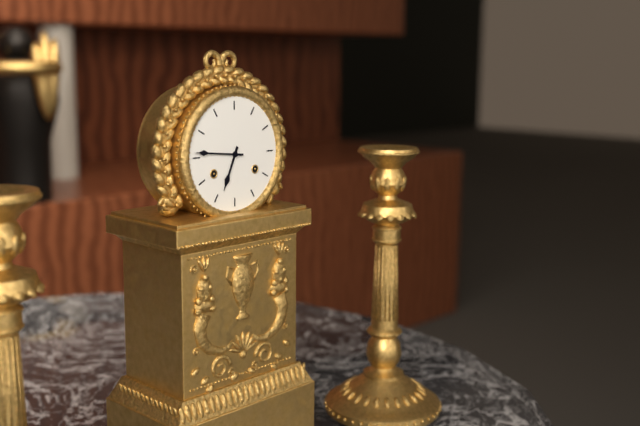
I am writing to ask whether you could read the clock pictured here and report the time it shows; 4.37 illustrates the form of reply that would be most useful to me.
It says 6.46
